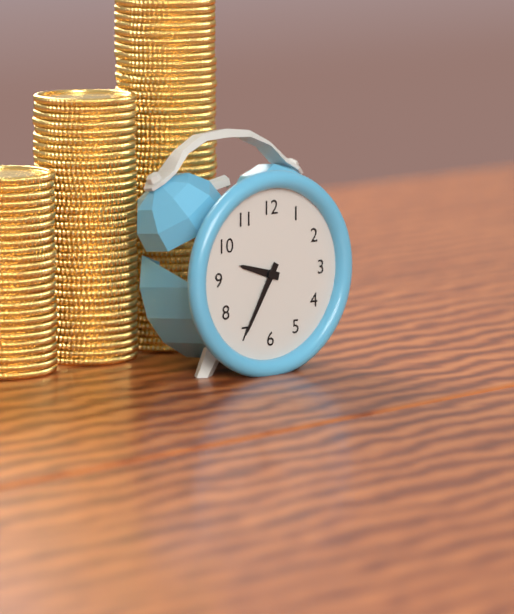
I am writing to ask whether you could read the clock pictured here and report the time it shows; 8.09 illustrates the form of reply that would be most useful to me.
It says 9.35
